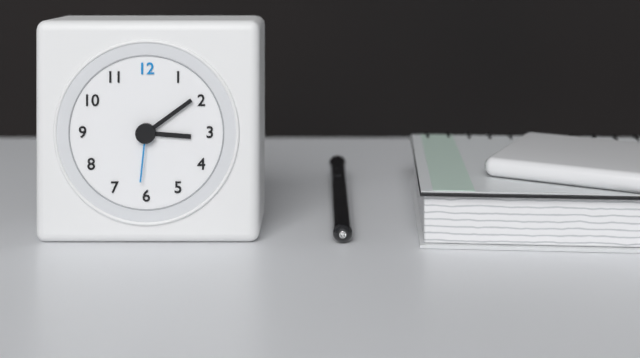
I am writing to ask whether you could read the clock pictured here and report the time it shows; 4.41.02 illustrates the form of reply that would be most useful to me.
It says 3.09.31
